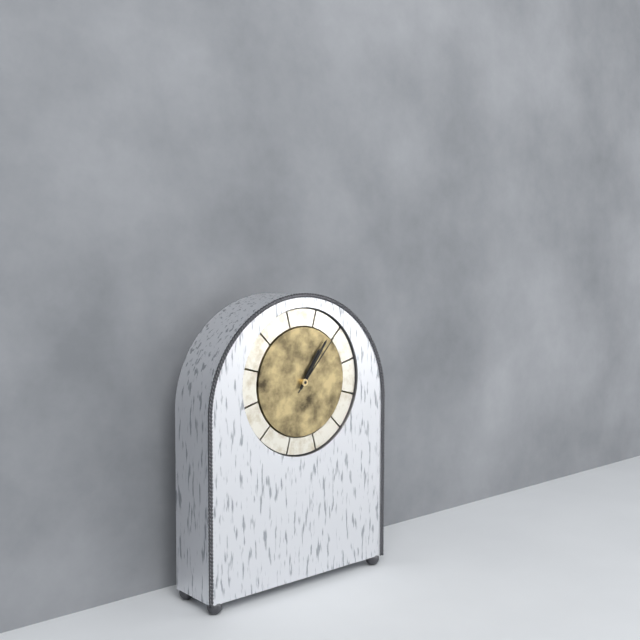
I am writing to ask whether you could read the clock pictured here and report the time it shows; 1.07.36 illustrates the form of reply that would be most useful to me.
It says 1.06.07
